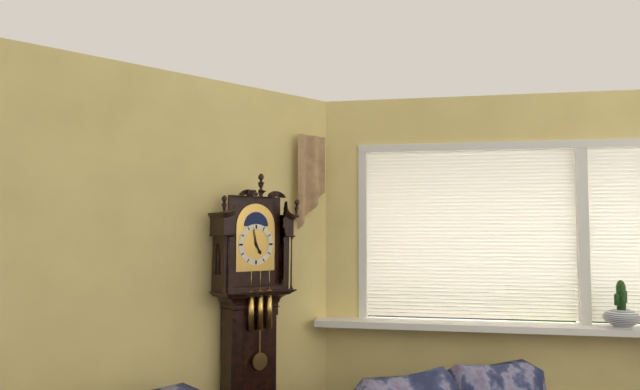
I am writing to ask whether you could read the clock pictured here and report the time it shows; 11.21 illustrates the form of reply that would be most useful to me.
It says 4.58
